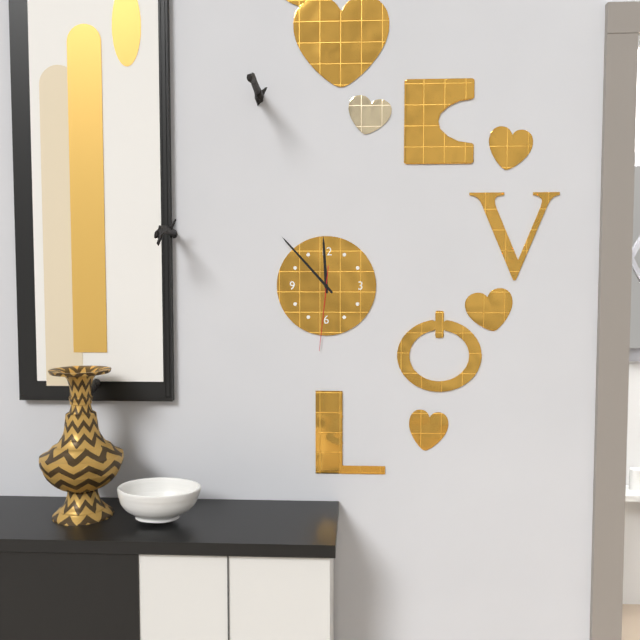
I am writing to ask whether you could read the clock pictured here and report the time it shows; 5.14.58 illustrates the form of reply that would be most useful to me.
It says 11.53.31
